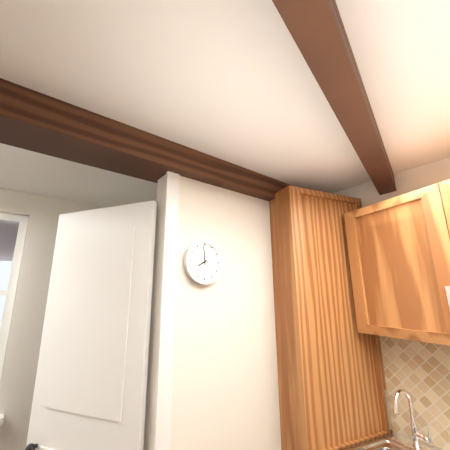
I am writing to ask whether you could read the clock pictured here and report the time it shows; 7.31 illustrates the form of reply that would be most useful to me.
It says 7.59
